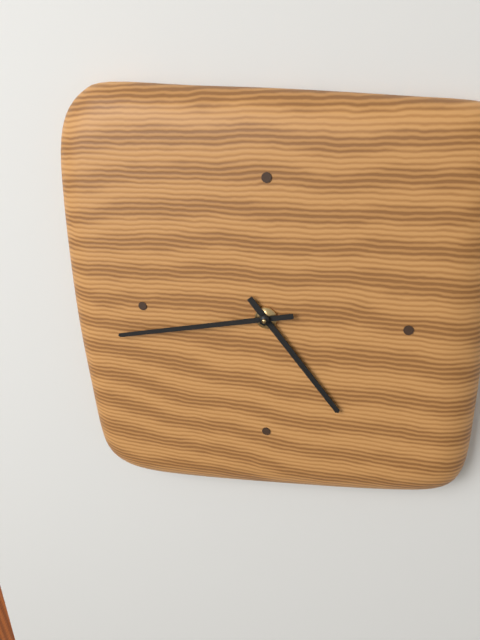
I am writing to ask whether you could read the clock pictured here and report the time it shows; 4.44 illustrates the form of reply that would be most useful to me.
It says 4.43
